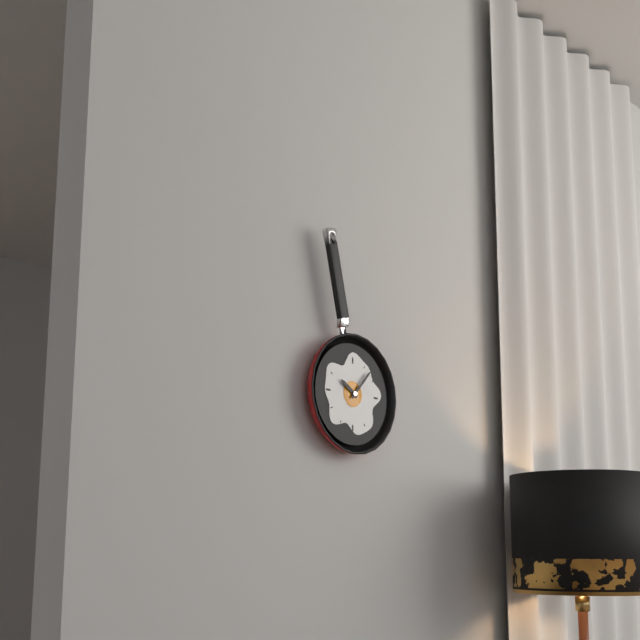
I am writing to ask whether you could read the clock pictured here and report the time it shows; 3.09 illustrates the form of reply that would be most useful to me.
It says 10.07
